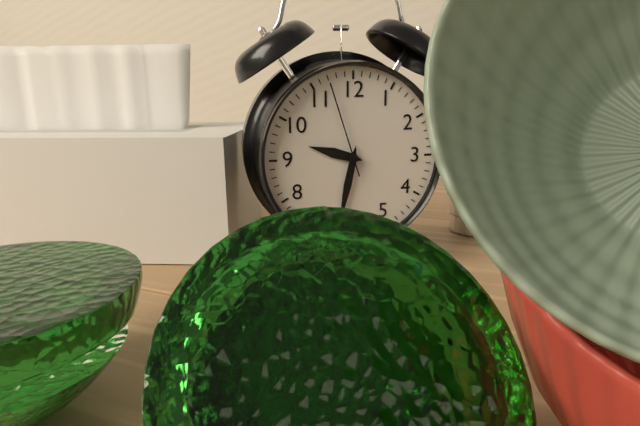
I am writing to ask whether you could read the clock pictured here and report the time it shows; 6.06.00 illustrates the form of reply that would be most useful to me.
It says 9.32.57
